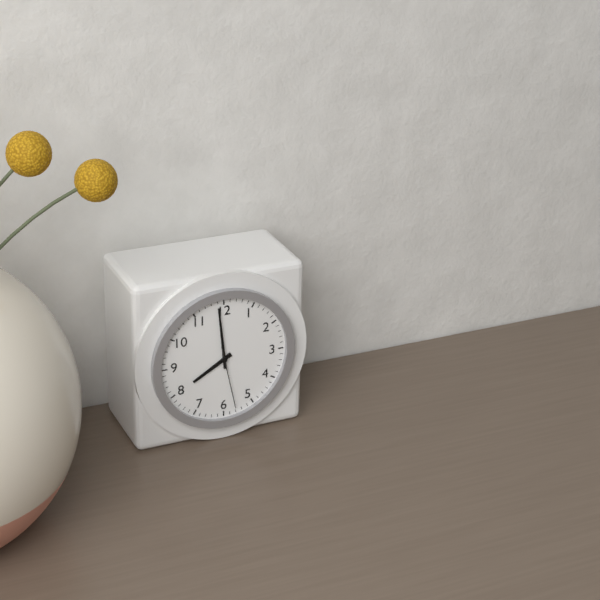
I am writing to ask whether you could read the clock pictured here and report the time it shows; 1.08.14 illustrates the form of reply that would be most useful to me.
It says 7.59.28
